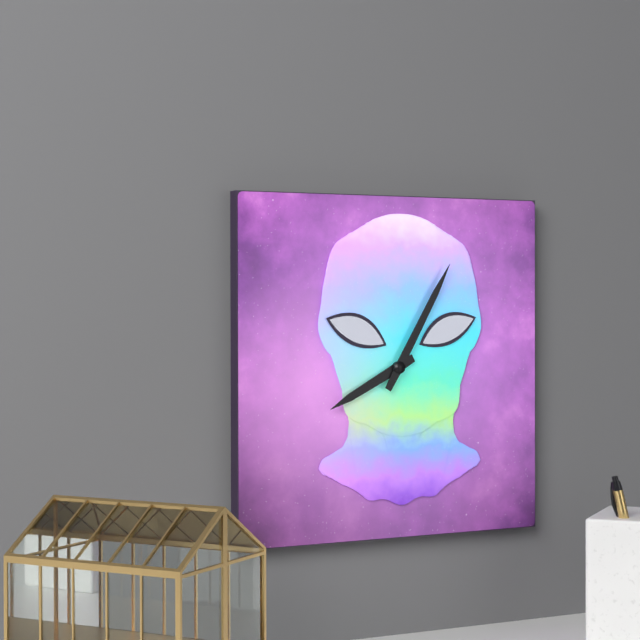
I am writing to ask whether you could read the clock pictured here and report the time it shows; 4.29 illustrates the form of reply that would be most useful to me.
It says 8.05
